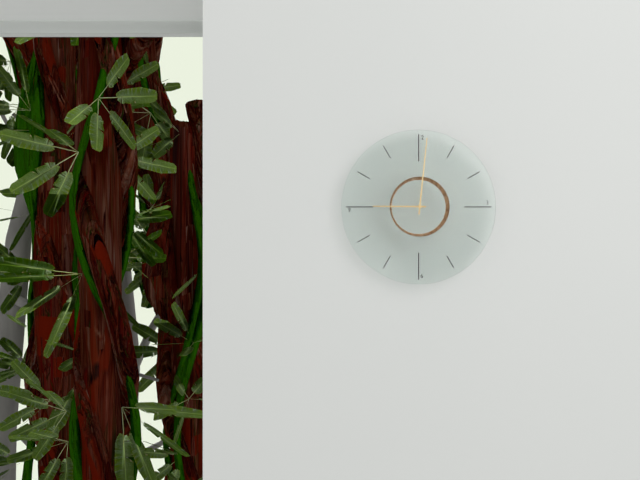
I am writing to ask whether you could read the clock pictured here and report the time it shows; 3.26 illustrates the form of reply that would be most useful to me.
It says 9.01
